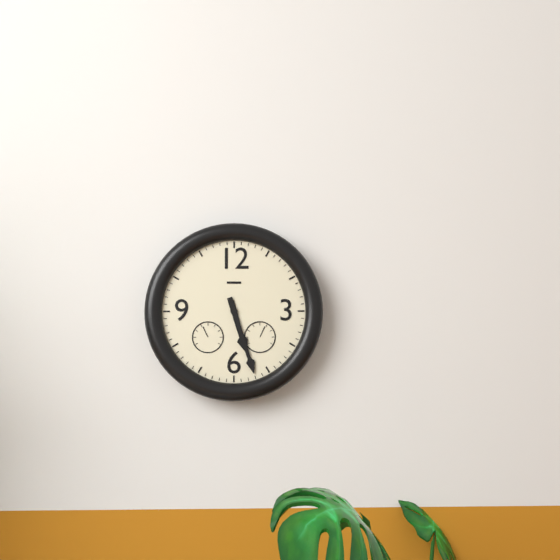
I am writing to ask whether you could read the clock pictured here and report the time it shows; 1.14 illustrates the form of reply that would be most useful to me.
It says 5.27
